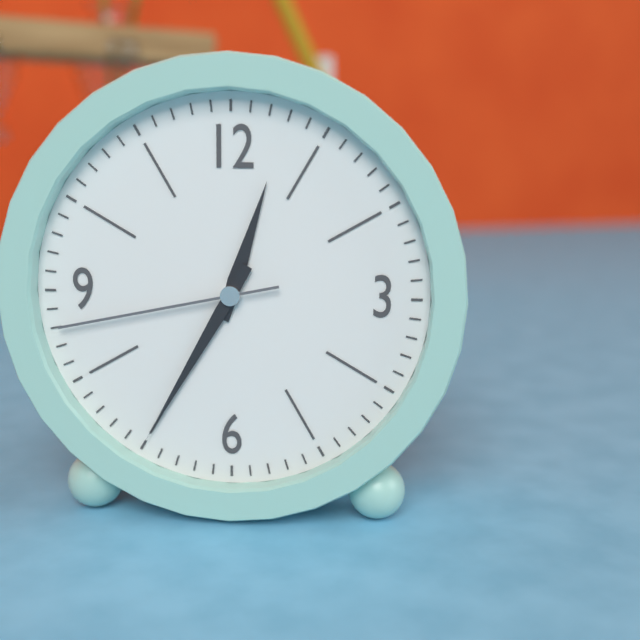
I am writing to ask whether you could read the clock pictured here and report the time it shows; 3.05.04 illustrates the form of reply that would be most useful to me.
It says 12.35.43
